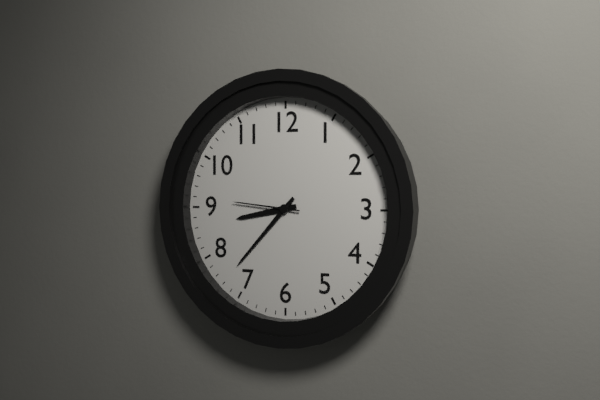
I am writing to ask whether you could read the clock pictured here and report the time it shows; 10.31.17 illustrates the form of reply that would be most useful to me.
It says 8.37.46
